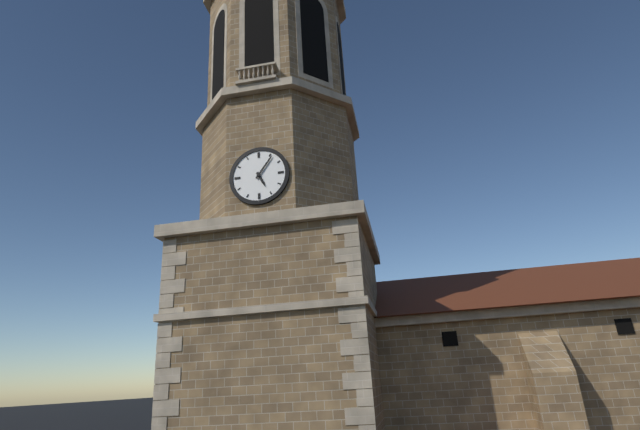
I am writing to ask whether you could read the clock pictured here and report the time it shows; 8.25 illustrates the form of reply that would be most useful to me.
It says 5.06
